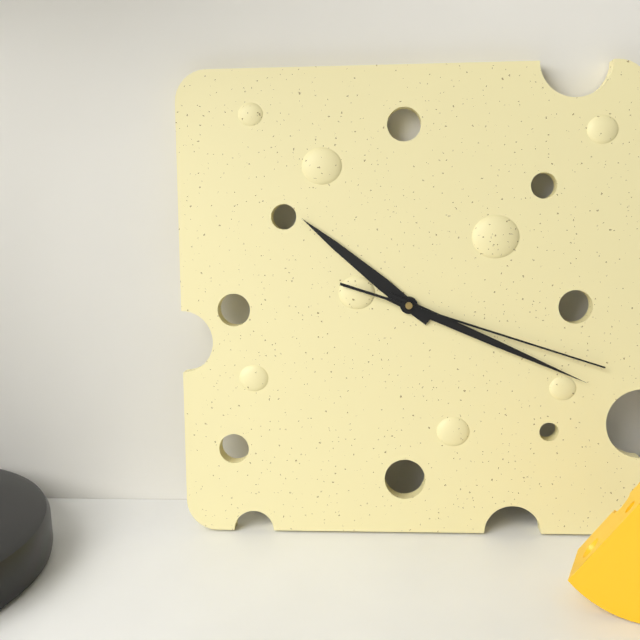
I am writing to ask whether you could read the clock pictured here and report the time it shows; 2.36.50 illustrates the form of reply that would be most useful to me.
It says 10.19.18
